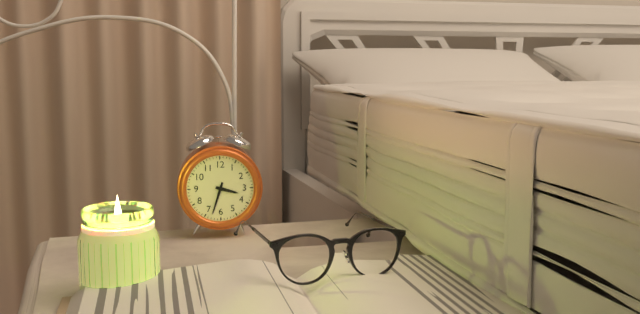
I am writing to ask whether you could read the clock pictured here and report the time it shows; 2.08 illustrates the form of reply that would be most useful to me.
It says 3.33
